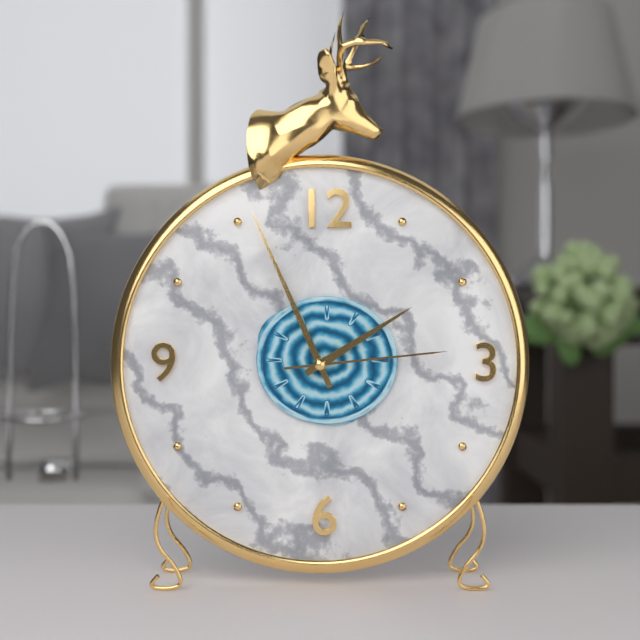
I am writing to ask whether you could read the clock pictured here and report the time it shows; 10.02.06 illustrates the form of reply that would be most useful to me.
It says 1.56.14
